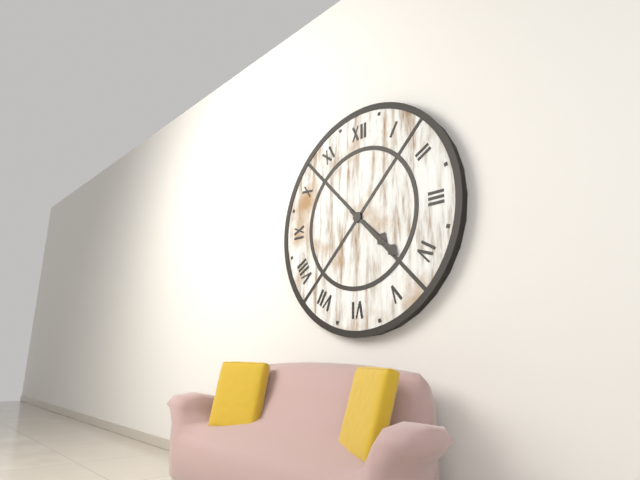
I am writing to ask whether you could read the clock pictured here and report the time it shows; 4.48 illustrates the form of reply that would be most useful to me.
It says 4.22
